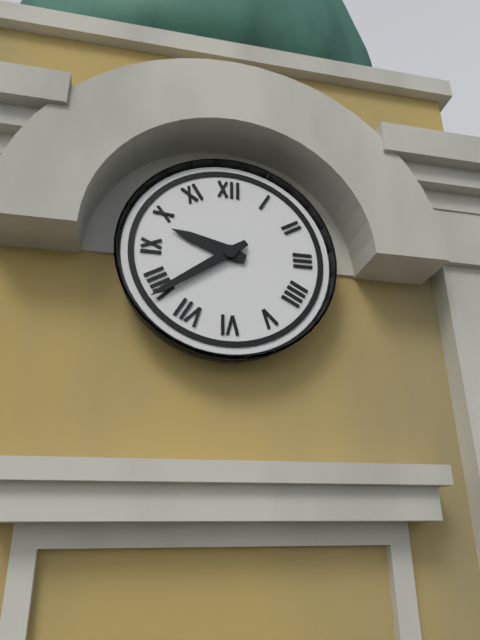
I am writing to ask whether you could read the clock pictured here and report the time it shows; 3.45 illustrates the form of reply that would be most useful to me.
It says 9.39
